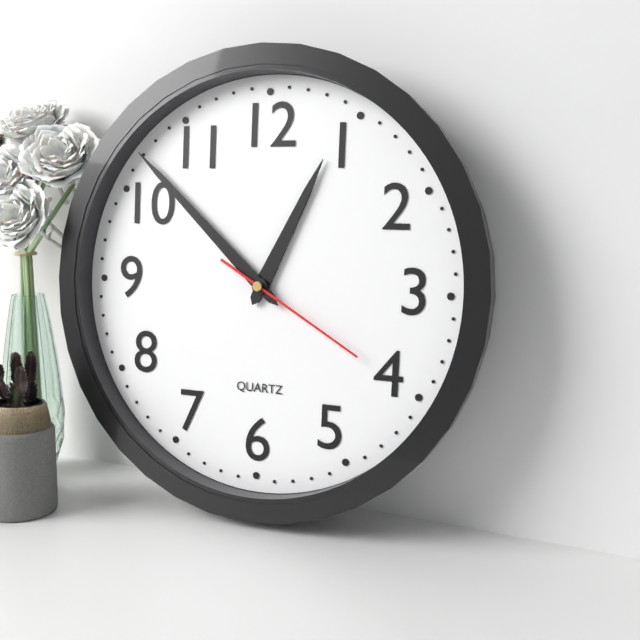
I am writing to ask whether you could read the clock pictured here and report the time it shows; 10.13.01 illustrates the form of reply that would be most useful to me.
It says 12.52.20
